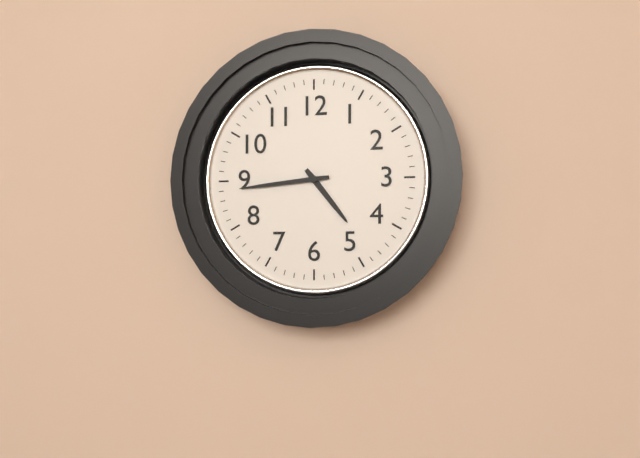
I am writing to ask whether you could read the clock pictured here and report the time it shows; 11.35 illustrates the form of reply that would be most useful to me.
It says 4.44
